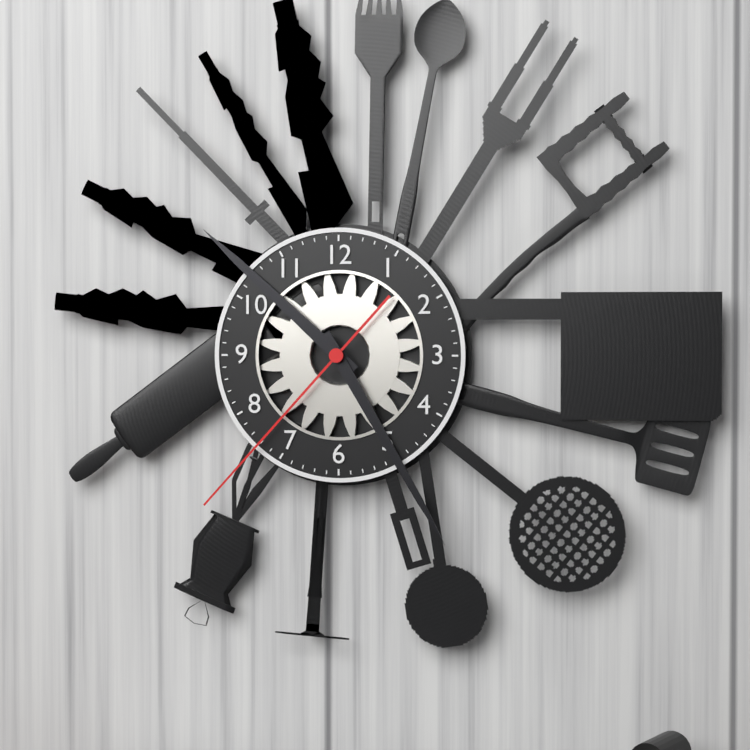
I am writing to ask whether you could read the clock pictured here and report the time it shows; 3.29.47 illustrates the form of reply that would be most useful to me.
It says 10.25.37
